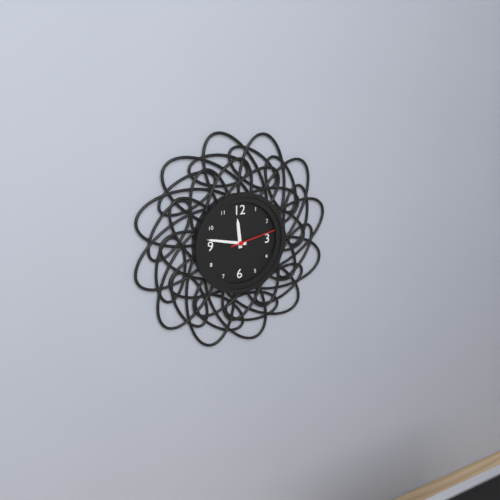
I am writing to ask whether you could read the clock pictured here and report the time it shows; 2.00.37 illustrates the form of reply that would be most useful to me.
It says 11.47.13
